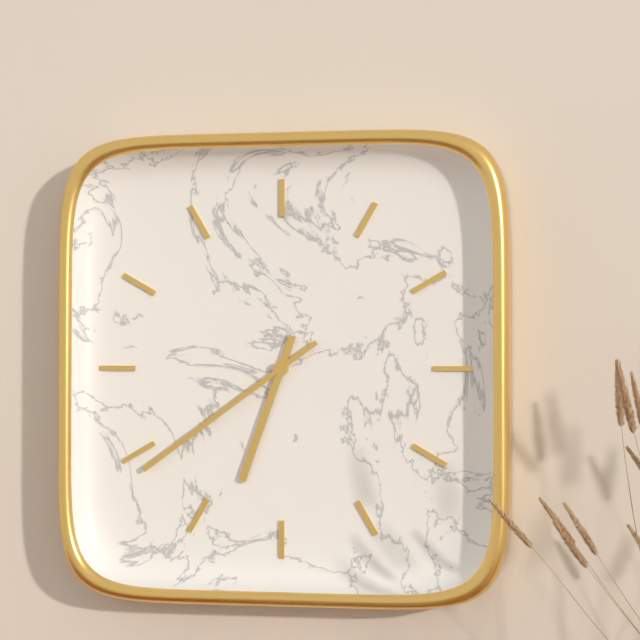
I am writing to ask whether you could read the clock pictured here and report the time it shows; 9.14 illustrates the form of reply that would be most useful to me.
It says 6.39
